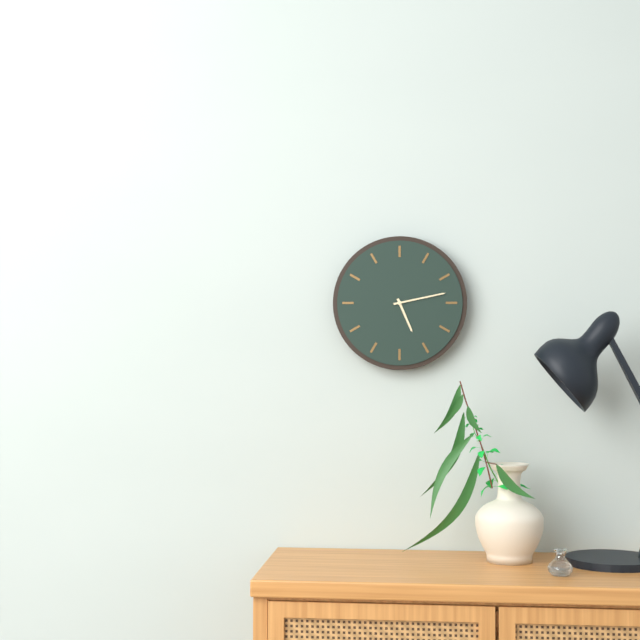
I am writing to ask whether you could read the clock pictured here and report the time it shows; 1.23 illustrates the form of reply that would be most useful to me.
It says 5.13
